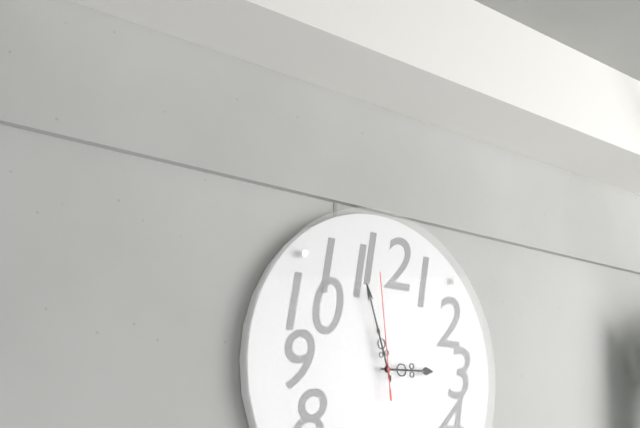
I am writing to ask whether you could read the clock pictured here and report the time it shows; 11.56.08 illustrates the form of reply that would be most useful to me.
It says 2.57.59
